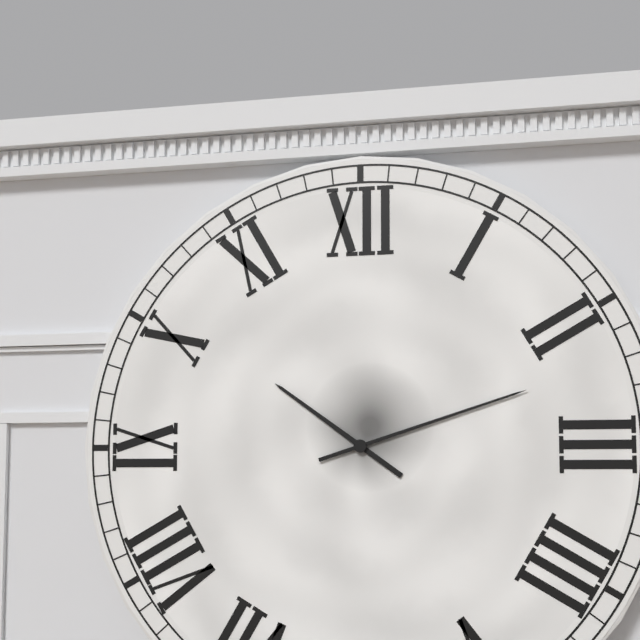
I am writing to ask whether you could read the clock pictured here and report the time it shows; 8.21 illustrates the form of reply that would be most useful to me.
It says 10.12
